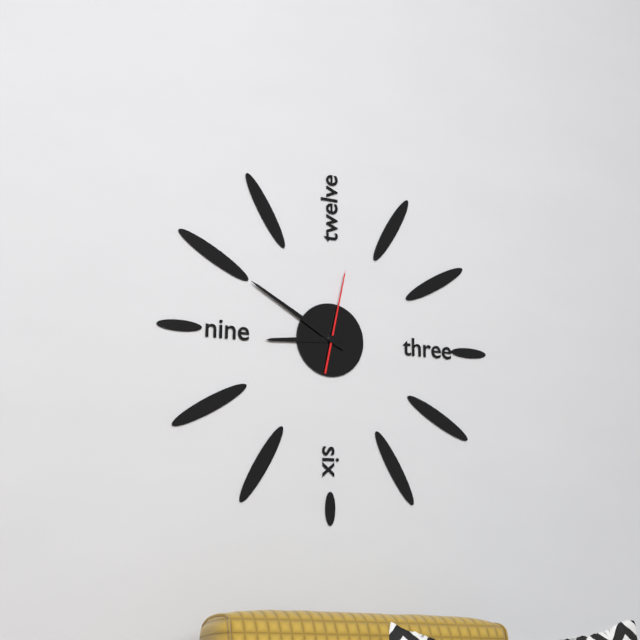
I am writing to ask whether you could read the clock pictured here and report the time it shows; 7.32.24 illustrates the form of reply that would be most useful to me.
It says 8.50.02
